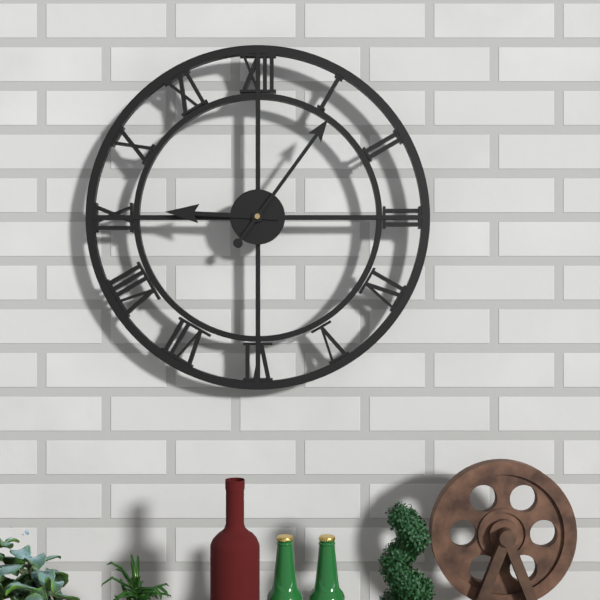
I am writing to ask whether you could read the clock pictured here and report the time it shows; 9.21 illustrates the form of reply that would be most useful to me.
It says 9.06
